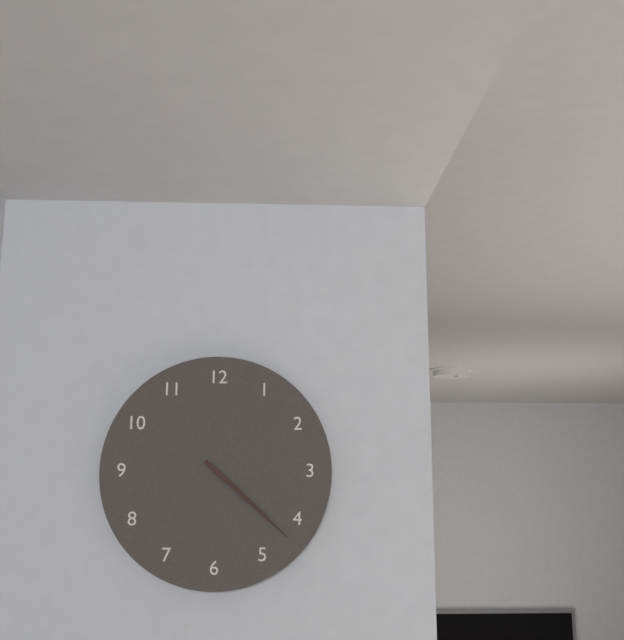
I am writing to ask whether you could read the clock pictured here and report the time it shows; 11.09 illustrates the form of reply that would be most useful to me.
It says 4.22
